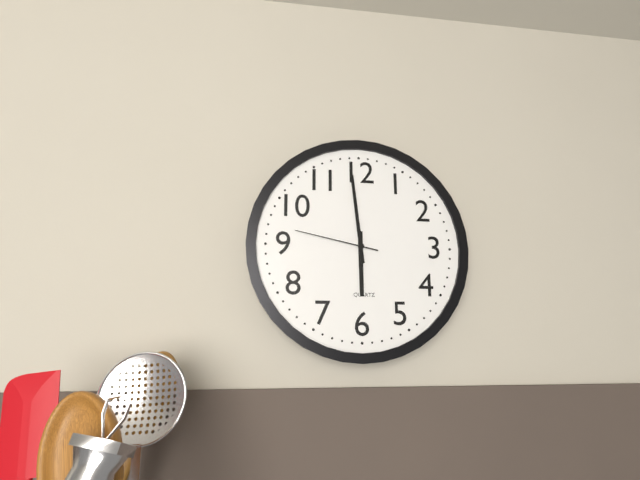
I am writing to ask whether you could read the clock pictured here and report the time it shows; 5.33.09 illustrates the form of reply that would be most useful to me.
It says 5.59.47
